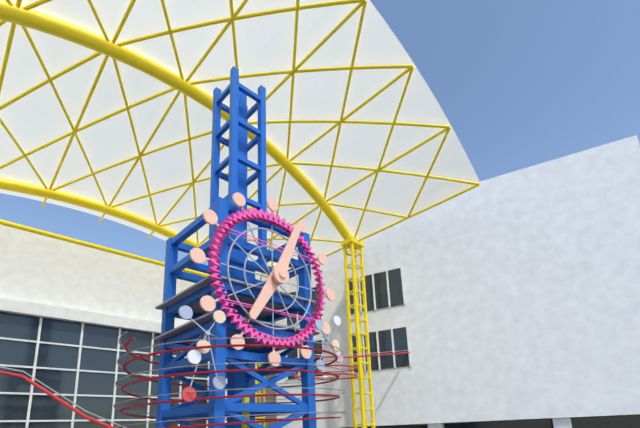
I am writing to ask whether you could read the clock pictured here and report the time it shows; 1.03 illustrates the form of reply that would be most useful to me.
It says 7.04
